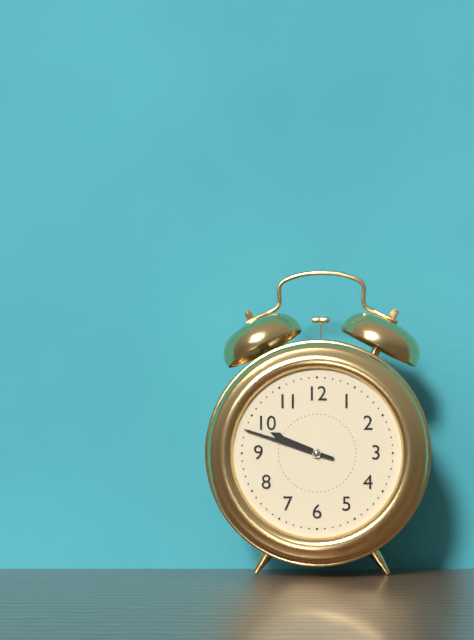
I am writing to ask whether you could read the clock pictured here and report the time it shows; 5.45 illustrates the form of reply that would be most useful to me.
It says 9.48
